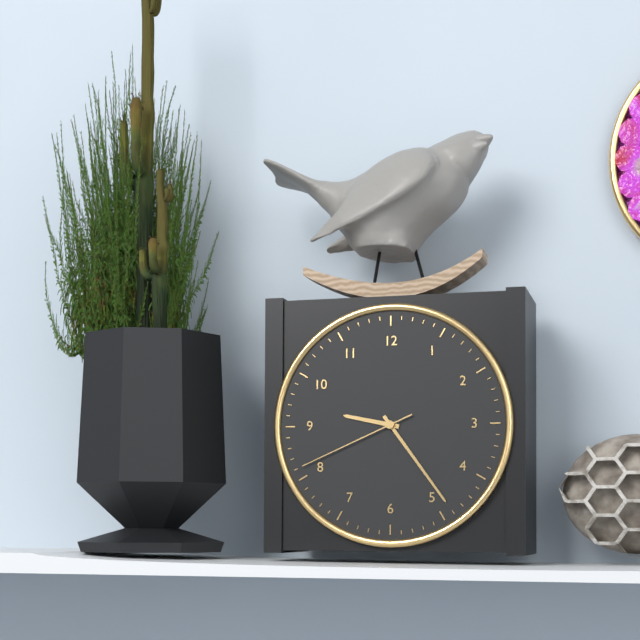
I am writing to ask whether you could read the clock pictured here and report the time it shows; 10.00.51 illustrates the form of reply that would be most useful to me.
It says 9.24.41
